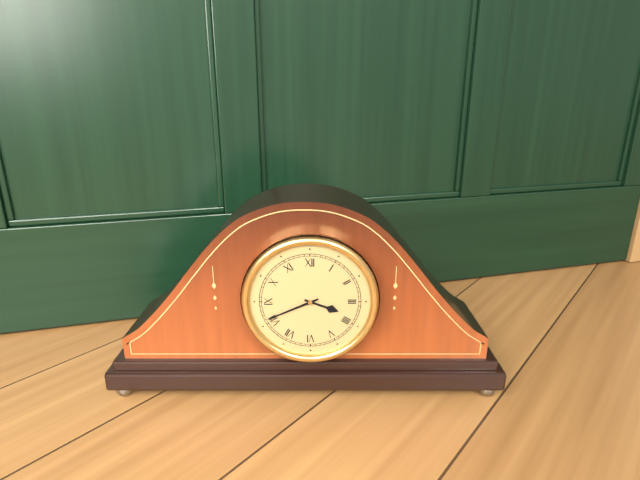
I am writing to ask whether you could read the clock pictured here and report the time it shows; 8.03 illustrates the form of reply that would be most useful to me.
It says 3.41
